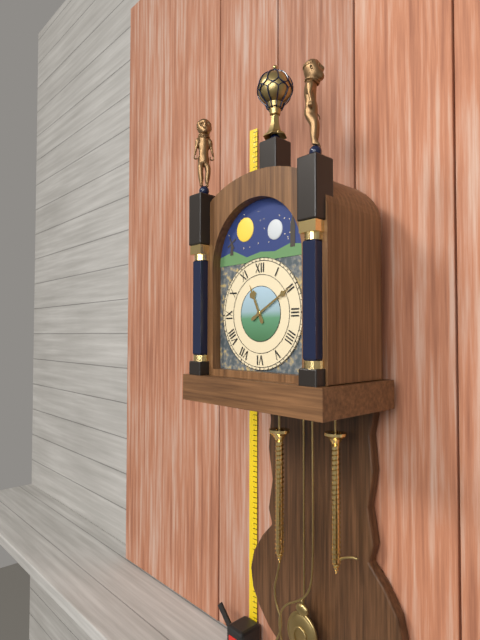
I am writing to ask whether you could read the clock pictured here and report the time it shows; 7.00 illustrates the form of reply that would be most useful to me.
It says 11.10
